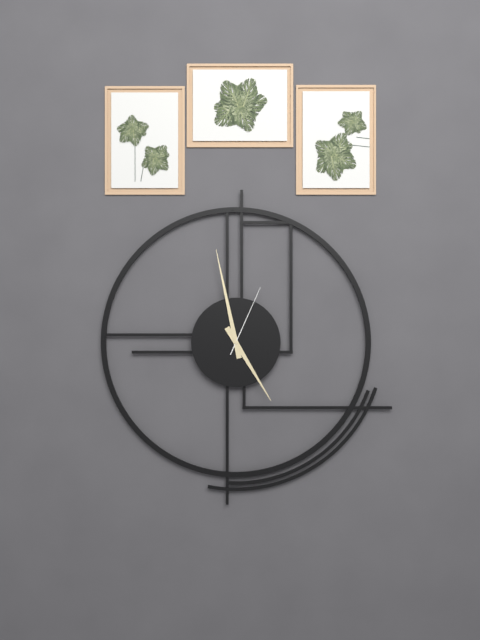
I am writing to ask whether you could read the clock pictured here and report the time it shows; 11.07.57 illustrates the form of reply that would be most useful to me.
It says 4.58.04
